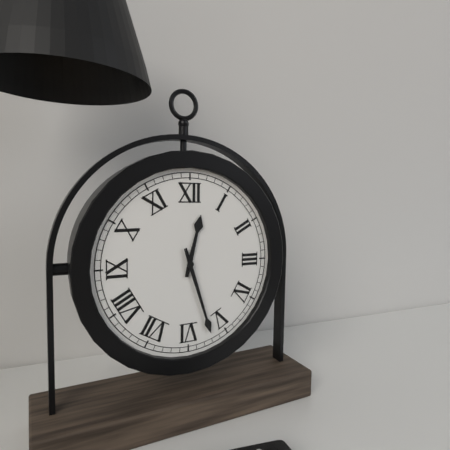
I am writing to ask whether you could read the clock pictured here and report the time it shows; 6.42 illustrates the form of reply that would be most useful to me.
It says 12.27
